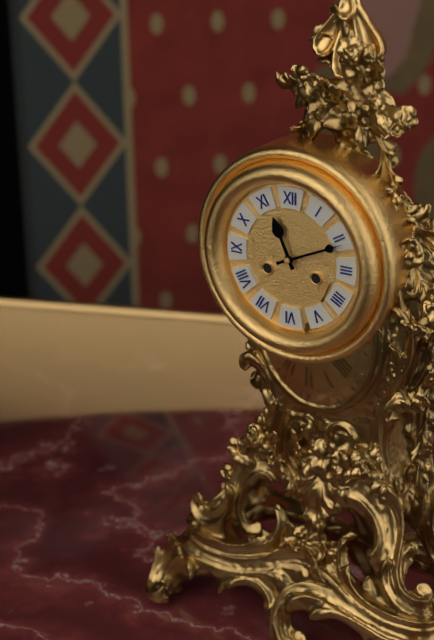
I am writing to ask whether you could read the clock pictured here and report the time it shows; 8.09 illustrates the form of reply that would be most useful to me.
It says 11.11
